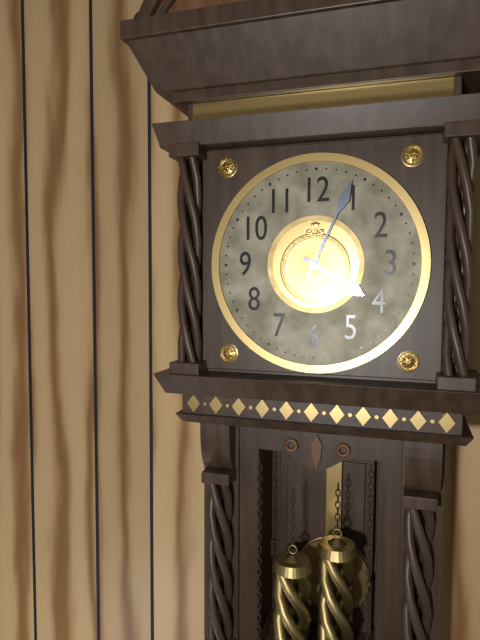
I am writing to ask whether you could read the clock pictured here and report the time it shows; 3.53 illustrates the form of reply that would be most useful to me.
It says 4.04
